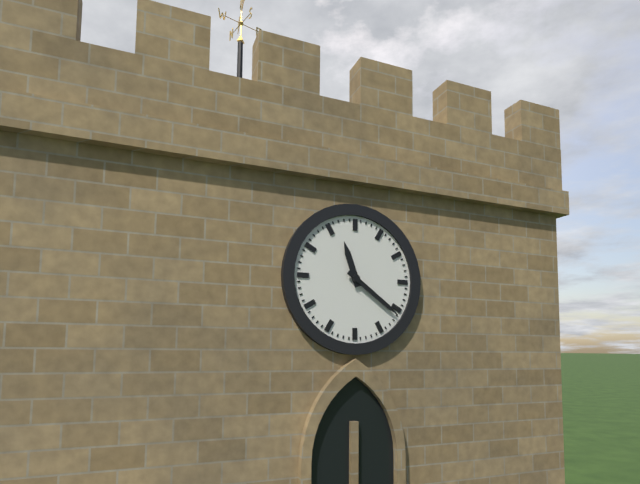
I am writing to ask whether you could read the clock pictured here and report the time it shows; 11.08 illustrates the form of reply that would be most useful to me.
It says 11.21
